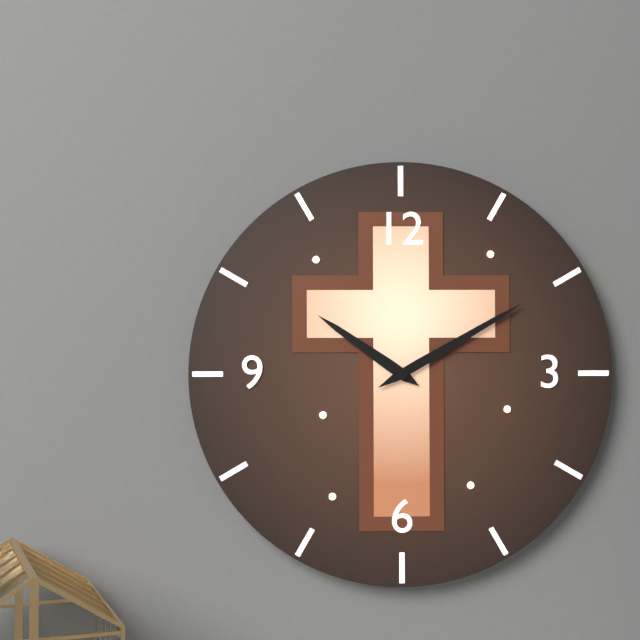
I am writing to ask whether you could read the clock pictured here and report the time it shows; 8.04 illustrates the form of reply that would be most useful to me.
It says 10.10
